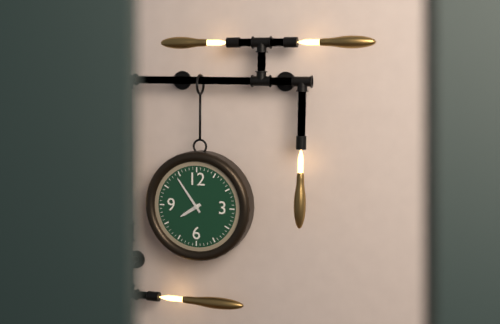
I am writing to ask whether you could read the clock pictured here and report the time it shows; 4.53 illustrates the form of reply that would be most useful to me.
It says 7.54
